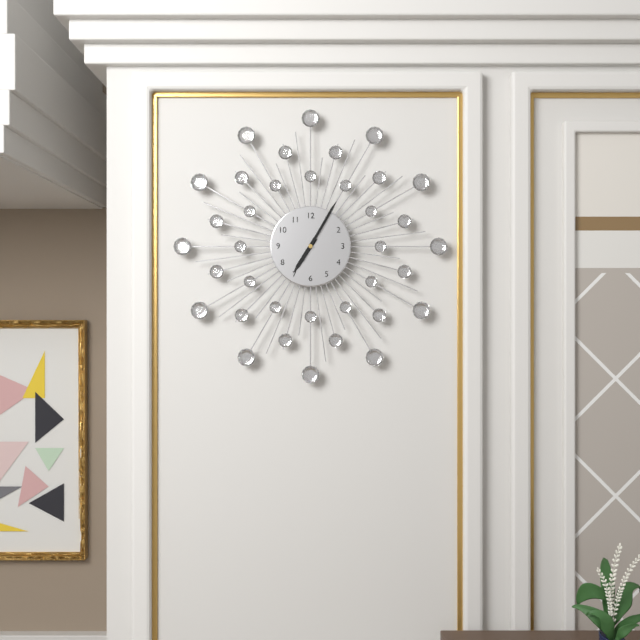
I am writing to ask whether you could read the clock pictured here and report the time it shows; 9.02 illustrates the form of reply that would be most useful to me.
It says 7.05
